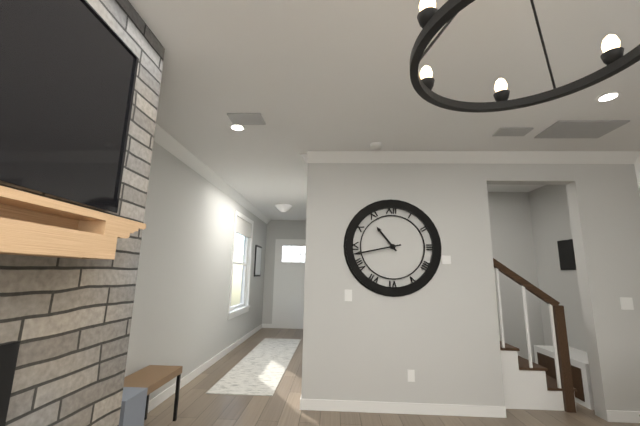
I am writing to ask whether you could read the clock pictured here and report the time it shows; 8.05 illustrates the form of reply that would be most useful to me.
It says 10.43
